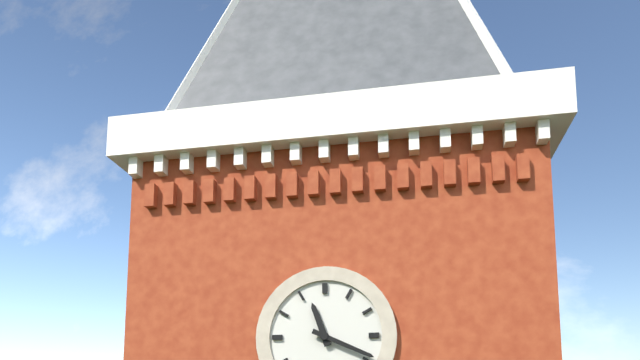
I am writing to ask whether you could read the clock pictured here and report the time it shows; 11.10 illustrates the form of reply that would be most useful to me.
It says 11.19
